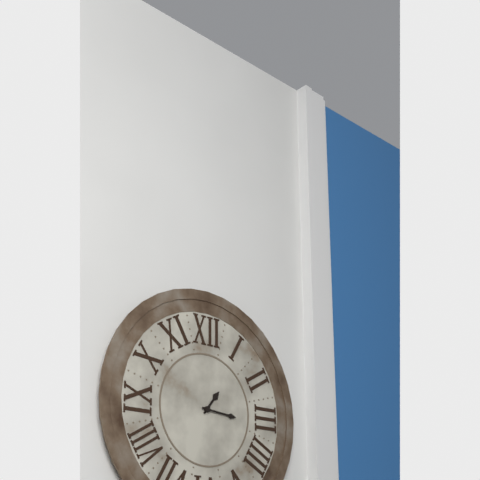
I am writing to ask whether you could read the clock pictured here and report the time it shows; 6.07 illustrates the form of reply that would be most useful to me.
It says 1.16
